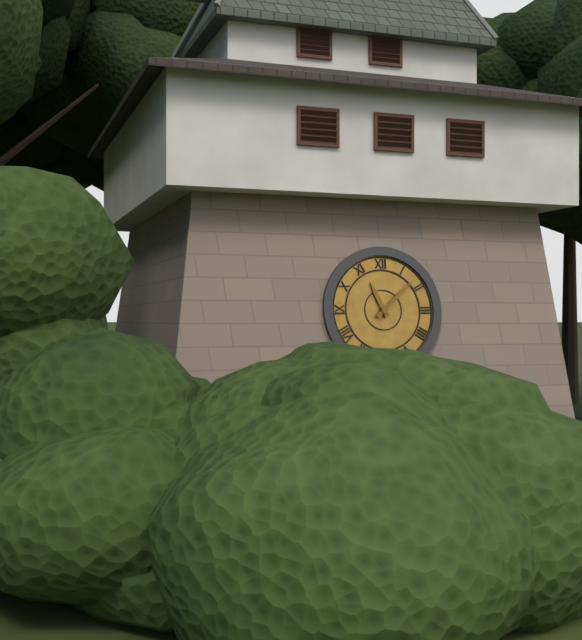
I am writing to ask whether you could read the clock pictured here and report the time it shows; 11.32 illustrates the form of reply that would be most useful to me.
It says 11.08
